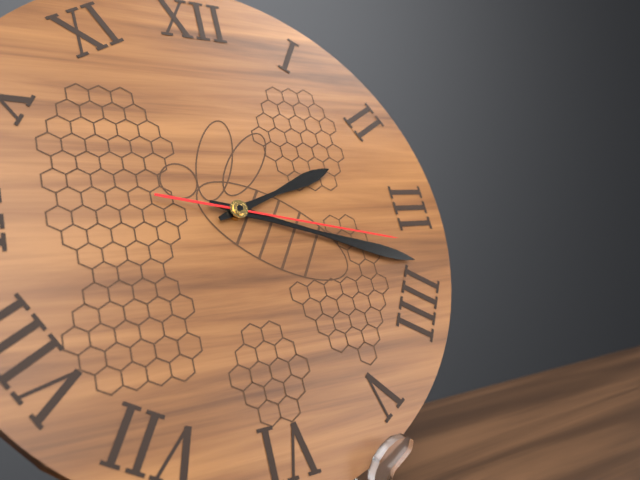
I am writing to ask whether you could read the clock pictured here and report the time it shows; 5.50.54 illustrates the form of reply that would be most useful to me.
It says 2.18.17
